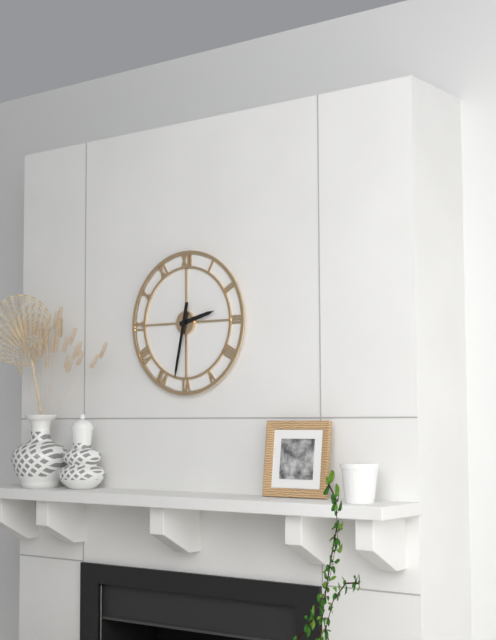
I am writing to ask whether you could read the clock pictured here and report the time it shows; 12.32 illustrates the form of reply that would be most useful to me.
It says 2.32
